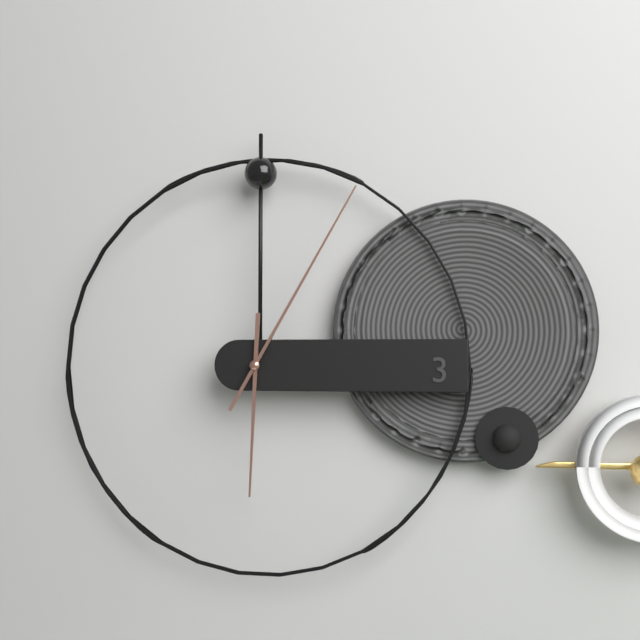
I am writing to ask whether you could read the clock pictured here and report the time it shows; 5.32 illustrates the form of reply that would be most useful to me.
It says 6.05
